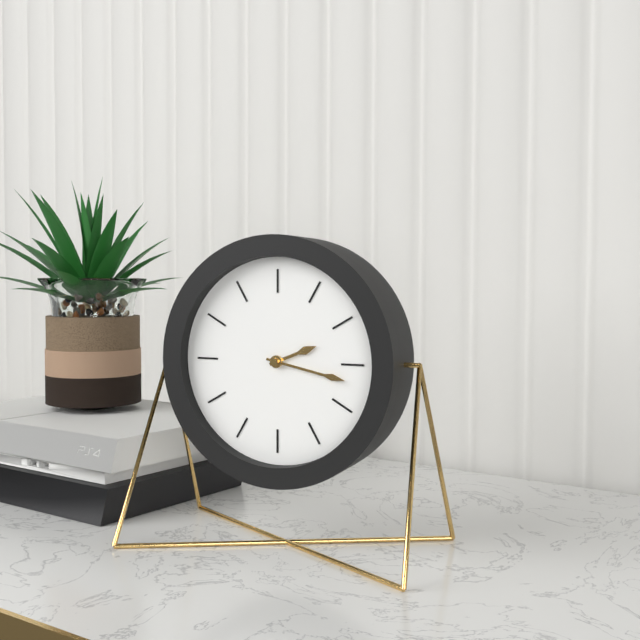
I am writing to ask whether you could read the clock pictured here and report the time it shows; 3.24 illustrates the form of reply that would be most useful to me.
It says 2.17
